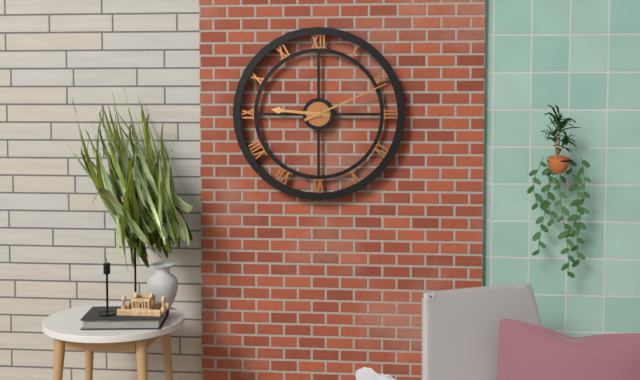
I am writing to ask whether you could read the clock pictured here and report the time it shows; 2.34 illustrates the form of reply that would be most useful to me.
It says 9.11
